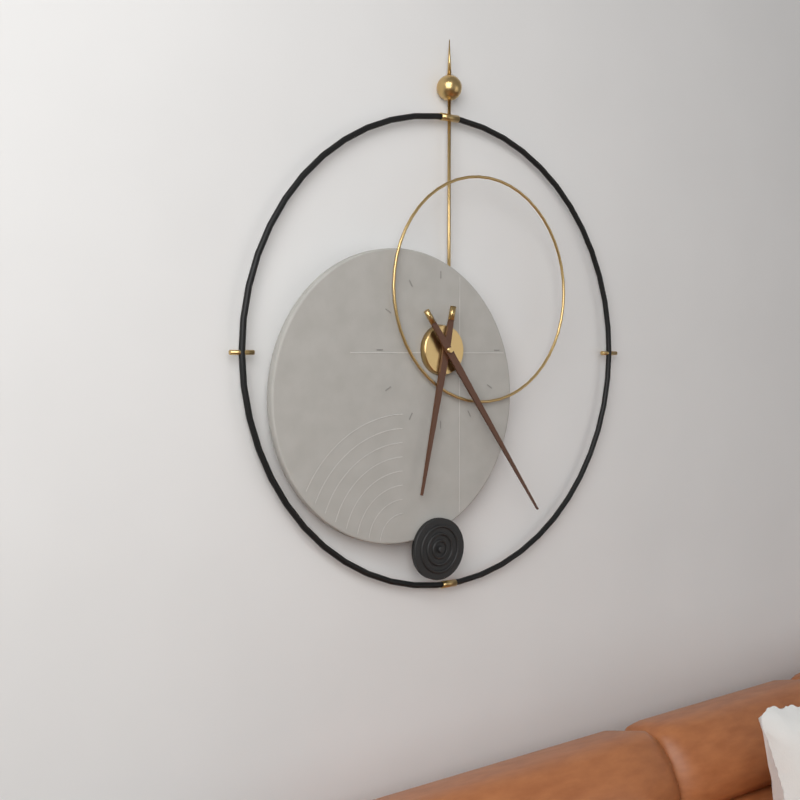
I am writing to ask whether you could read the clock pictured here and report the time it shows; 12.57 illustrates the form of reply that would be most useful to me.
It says 6.24
